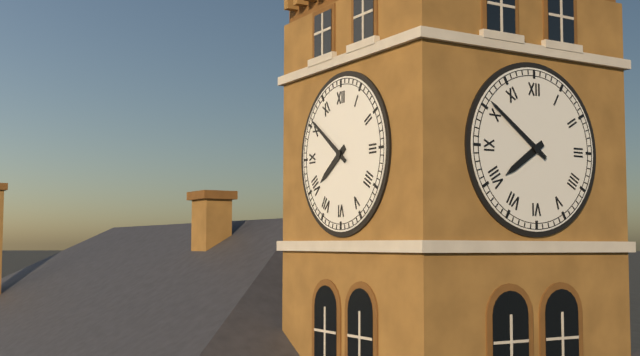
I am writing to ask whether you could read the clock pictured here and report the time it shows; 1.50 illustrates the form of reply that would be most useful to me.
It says 7.51
